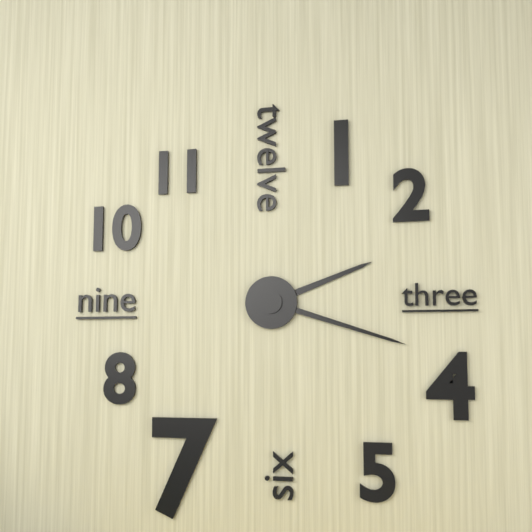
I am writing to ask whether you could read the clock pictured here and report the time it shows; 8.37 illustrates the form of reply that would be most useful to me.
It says 2.18
